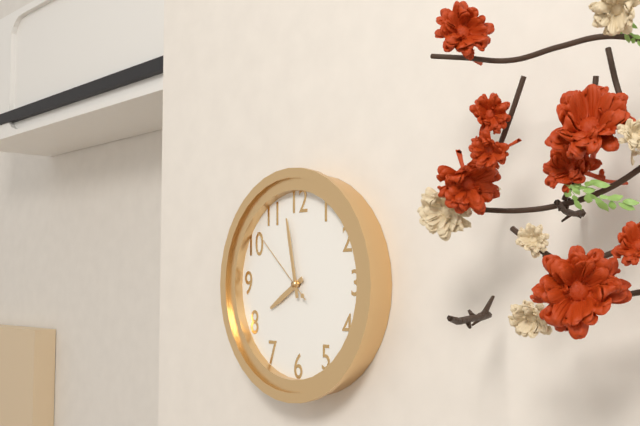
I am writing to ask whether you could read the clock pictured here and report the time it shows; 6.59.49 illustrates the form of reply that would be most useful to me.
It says 7.58.52
